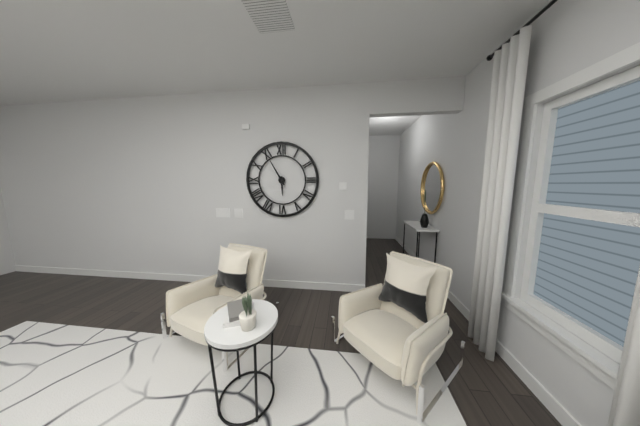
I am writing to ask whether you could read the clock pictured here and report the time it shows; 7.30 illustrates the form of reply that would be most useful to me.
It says 5.55
